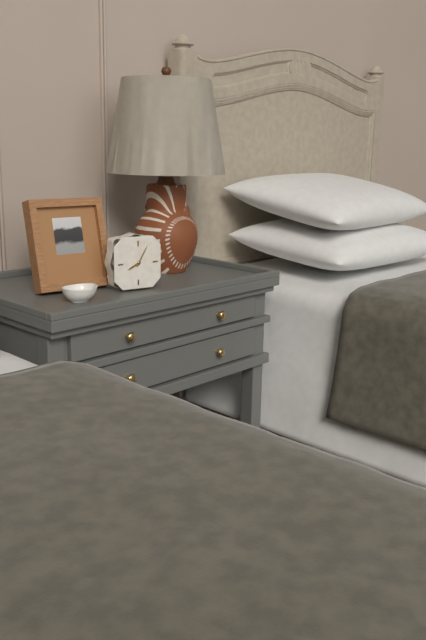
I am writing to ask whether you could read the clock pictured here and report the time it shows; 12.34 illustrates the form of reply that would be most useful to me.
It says 8.05
